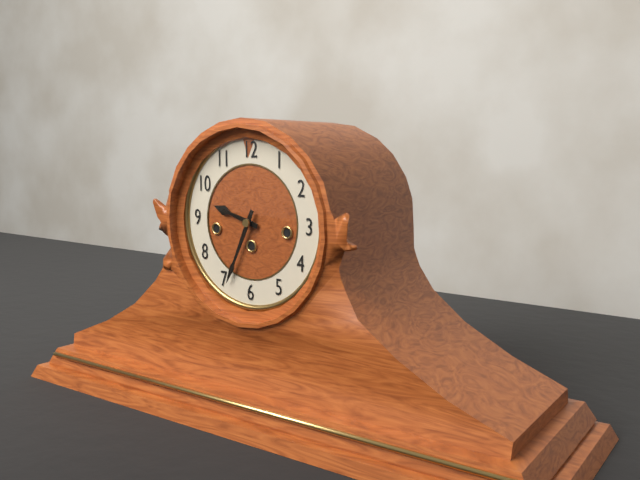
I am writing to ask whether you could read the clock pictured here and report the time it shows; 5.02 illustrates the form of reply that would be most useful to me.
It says 9.34
